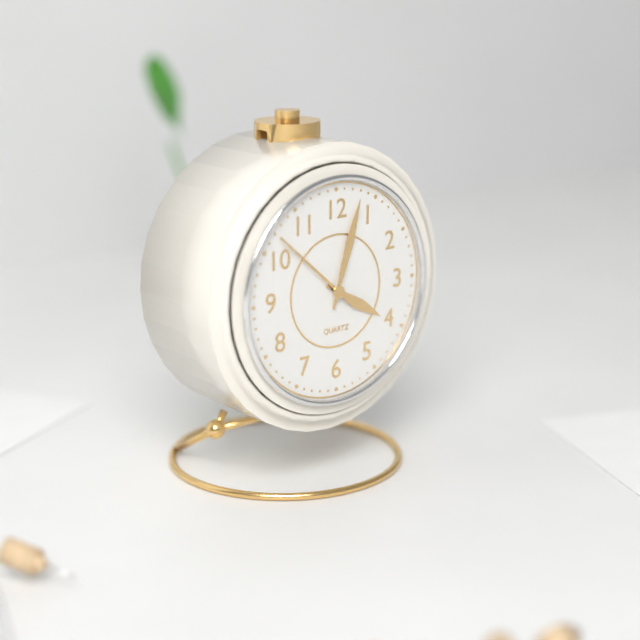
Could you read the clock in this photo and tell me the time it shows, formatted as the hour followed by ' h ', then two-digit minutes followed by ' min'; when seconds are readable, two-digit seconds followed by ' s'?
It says 4 h 03 min 52 s
